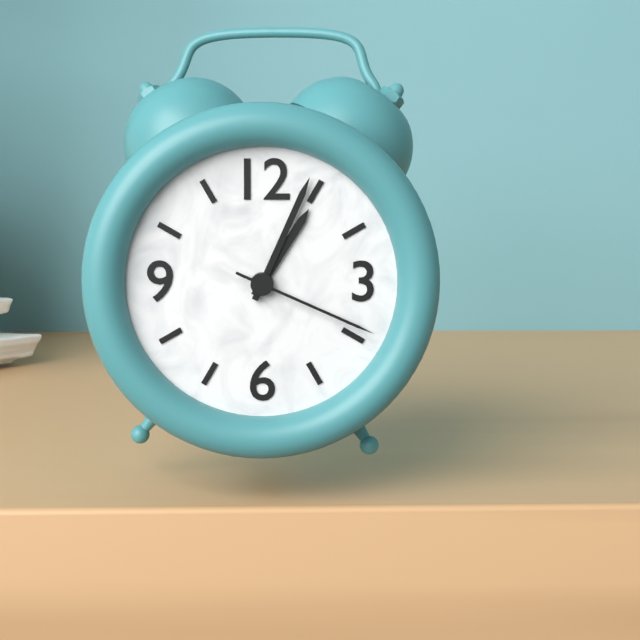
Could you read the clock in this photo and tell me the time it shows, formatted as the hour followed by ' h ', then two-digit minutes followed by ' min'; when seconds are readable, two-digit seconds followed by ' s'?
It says 1 h 04 min 19 s
